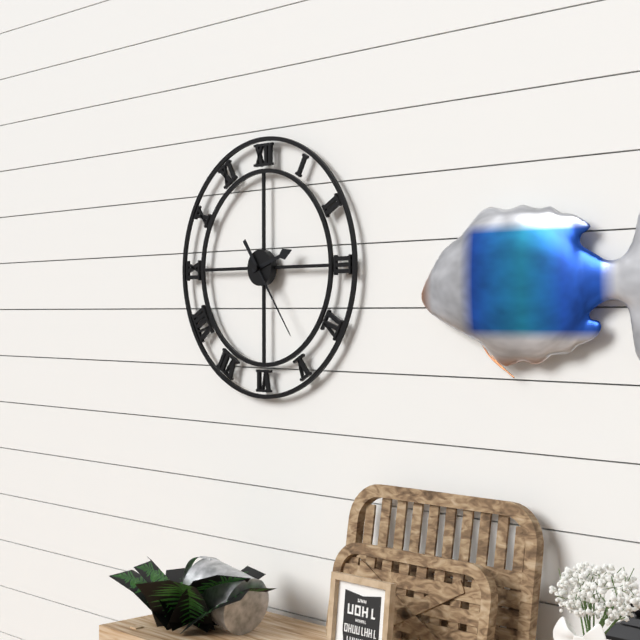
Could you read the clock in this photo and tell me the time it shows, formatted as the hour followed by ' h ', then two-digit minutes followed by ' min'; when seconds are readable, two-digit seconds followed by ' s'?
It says 2 h 24 min
